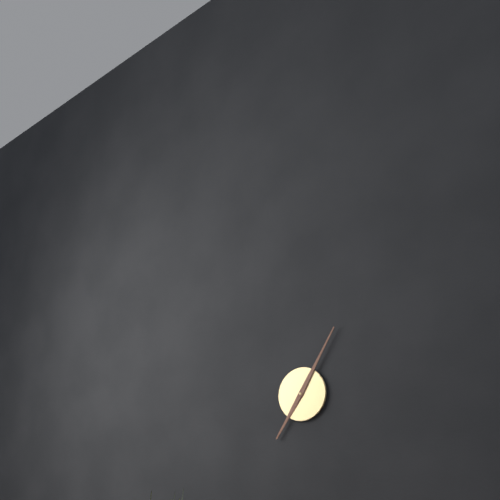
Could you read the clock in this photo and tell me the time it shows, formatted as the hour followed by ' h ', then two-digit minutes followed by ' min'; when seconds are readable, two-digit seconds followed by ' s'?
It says 7 h 05 min
